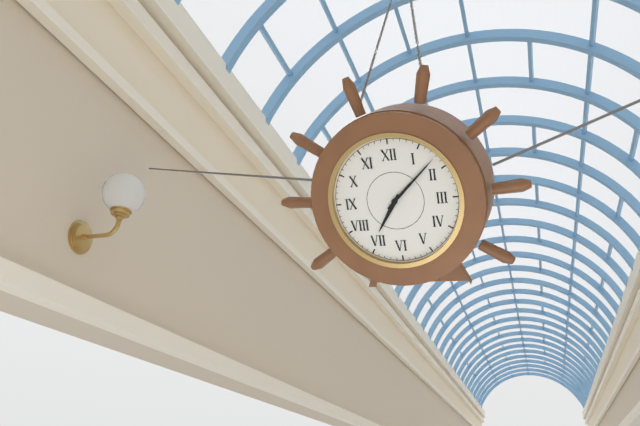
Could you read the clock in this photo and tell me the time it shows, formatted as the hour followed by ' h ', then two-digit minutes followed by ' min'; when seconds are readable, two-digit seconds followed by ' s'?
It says 7 h 08 min
